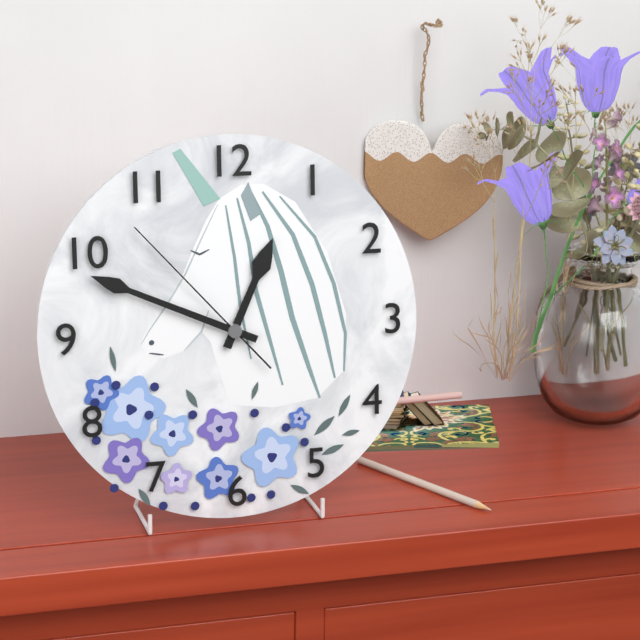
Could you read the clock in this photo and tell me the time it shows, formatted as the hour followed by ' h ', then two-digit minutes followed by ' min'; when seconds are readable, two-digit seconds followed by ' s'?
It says 12 h 49 min 53 s
